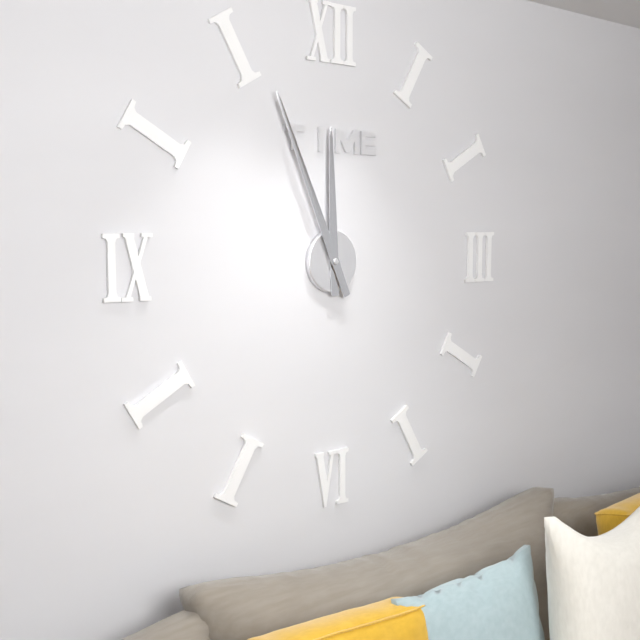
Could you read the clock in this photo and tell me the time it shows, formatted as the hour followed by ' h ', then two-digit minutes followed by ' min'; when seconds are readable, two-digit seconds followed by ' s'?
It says 11 h 56 min
